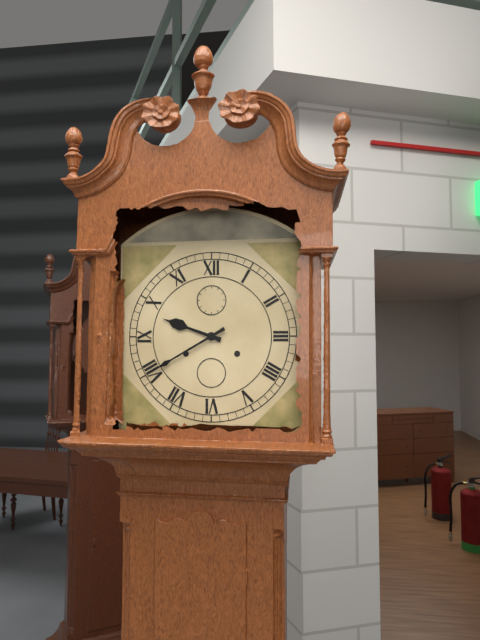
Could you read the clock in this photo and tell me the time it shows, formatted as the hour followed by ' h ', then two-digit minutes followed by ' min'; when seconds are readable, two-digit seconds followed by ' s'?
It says 9 h 40 min
